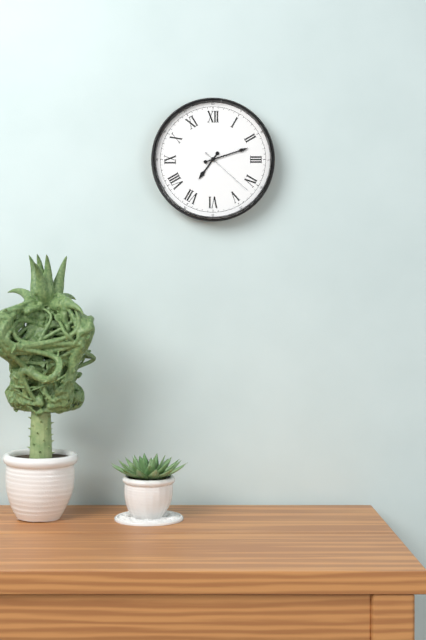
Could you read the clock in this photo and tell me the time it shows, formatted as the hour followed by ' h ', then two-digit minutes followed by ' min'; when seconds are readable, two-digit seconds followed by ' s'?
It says 7 h 12 min 22 s
